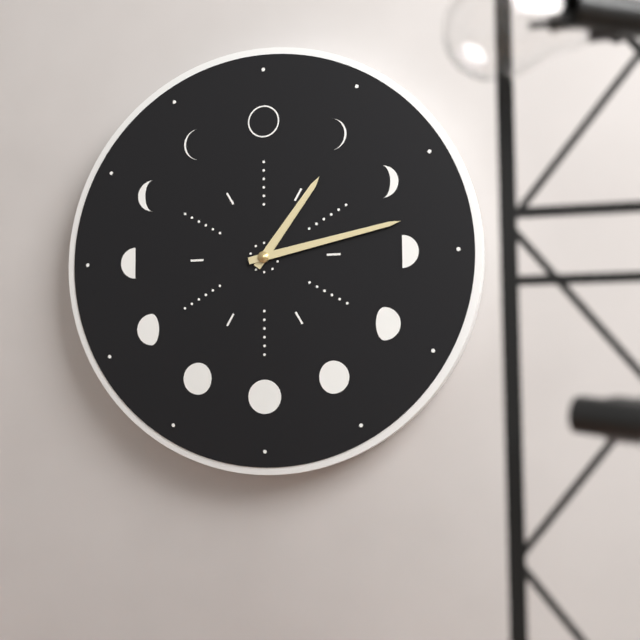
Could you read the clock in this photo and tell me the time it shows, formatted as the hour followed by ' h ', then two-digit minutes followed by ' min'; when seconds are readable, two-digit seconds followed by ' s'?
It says 1 h 13 min
